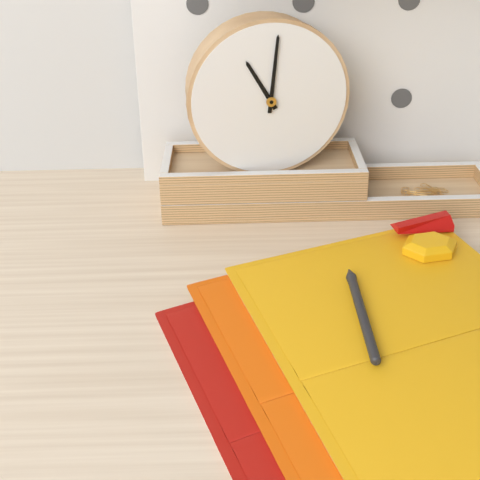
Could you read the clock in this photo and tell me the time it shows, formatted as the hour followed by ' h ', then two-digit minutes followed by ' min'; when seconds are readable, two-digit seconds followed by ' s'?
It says 11 h 01 min
